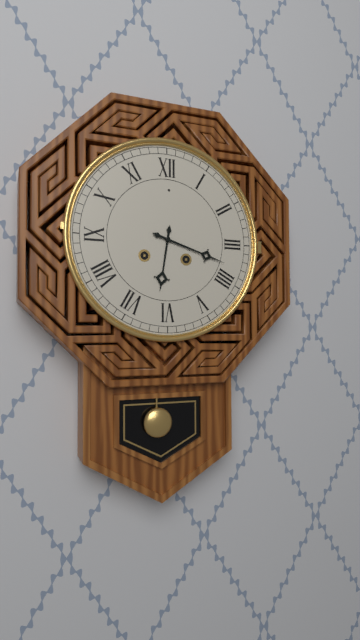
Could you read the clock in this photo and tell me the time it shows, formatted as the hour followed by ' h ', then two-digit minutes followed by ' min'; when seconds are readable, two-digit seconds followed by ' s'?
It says 6 h 18 min
